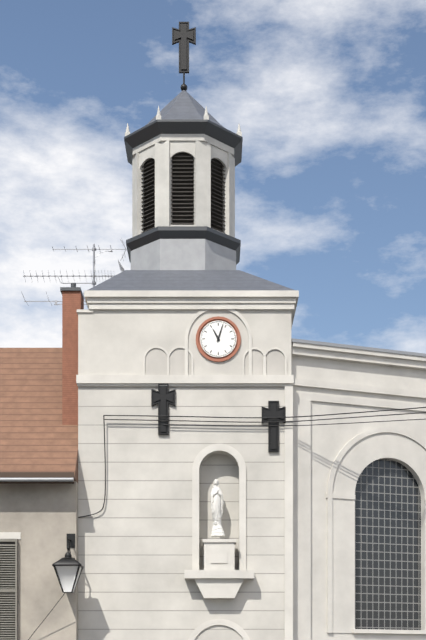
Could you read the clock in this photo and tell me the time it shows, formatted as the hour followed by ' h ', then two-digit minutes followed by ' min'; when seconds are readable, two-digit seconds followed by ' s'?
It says 11 h 03 min
